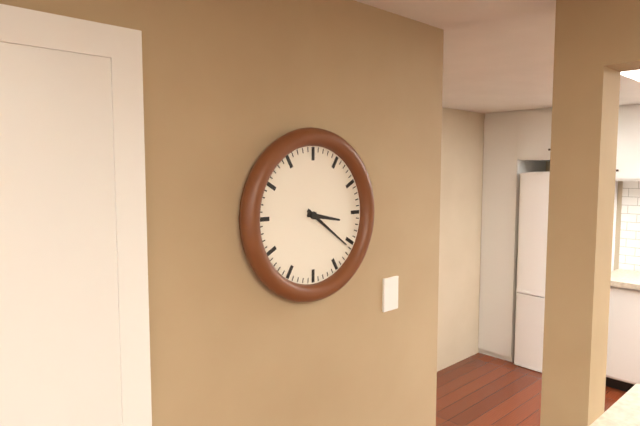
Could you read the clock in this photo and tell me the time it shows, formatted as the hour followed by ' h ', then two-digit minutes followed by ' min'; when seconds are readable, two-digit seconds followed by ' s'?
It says 3 h 21 min
